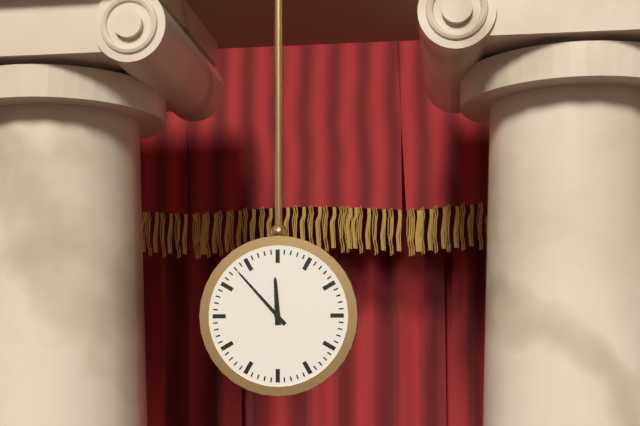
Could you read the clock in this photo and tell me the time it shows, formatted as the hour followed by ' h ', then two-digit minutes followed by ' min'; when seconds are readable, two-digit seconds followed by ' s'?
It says 11 h 53 min
